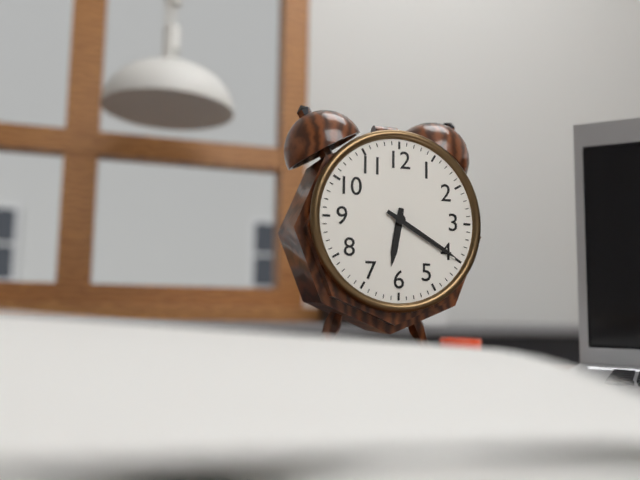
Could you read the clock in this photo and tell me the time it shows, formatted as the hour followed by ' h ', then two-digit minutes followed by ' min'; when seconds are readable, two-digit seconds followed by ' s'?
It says 6 h 20 min
